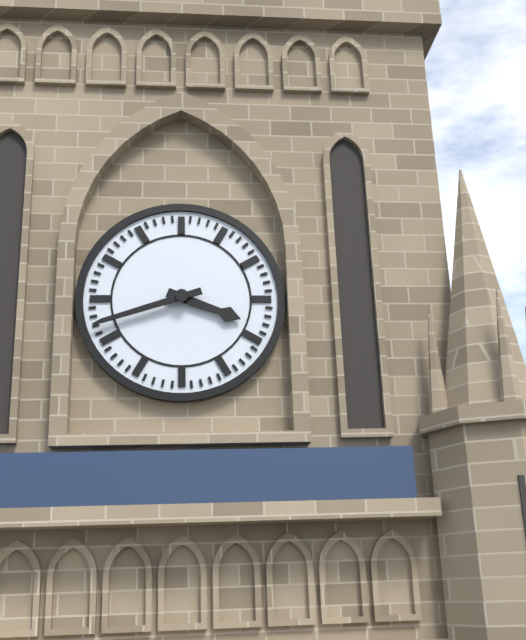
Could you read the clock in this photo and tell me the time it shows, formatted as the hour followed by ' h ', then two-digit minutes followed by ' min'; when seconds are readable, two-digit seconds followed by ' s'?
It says 3 h 42 min
